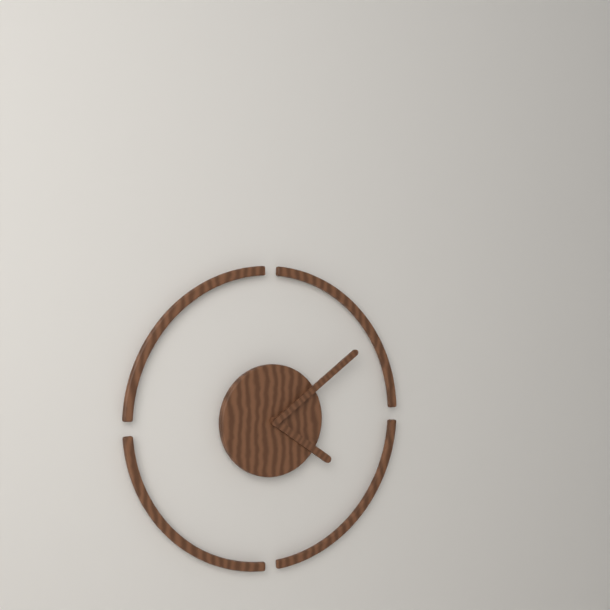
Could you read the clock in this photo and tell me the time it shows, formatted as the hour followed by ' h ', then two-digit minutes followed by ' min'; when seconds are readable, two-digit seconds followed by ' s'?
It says 4 h 09 min
